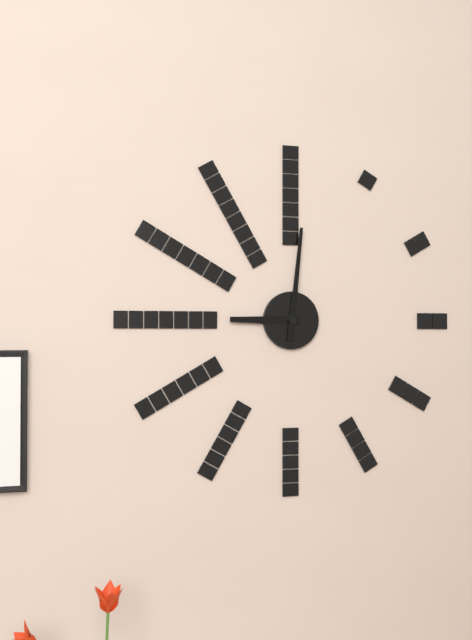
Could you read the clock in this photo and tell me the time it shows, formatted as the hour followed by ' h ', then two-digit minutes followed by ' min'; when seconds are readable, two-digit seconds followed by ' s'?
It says 9 h 01 min
